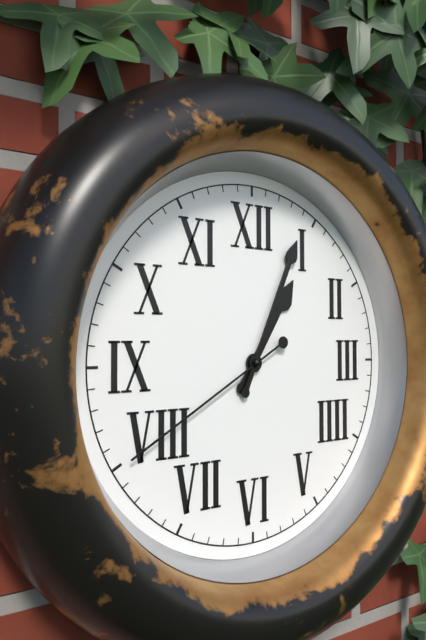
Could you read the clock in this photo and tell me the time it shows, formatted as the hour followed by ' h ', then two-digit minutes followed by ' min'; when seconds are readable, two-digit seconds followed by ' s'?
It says 1 h 04 min 40 s
